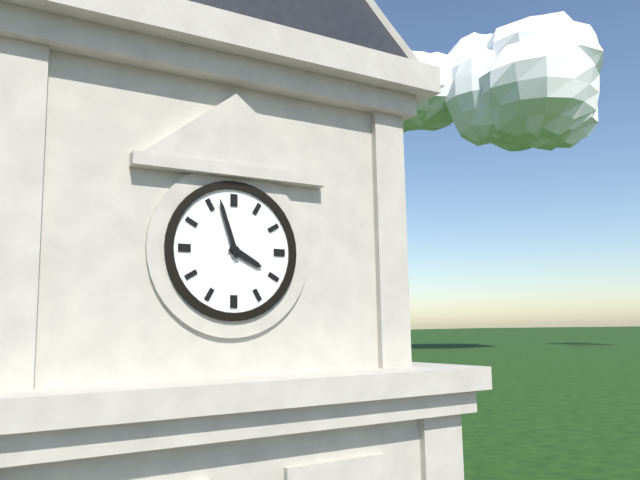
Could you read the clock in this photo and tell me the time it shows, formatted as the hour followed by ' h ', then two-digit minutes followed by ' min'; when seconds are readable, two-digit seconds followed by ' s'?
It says 3 h 57 min
